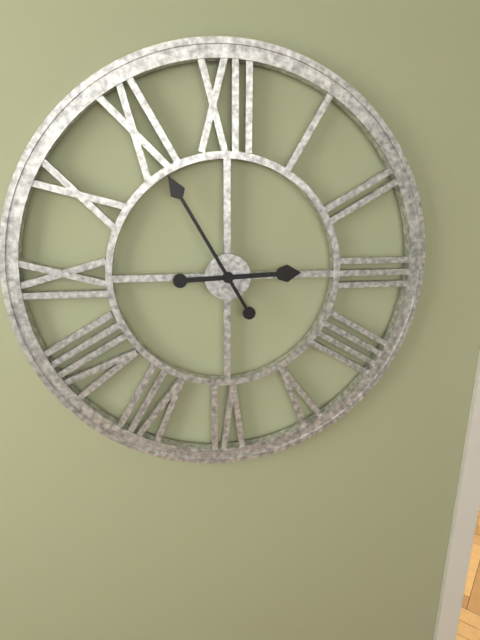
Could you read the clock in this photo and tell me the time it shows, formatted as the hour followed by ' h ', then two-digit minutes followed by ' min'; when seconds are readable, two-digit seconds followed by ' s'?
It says 2 h 55 min
